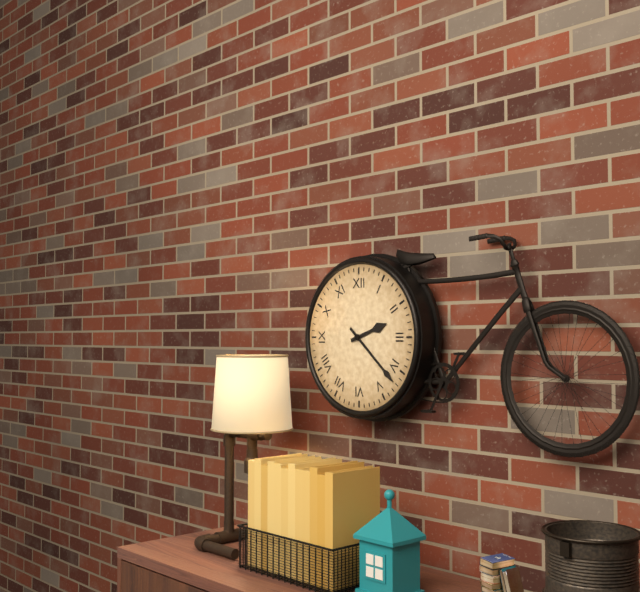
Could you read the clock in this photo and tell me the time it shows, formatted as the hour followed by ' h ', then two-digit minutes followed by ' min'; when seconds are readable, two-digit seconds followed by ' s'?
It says 2 h 22 min
